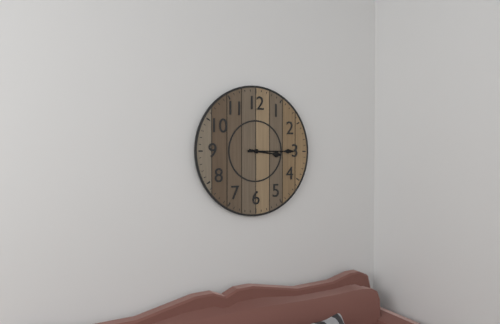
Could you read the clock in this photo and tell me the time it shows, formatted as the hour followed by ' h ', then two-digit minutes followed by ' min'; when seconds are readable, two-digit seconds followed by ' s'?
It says 3 h 15 min
